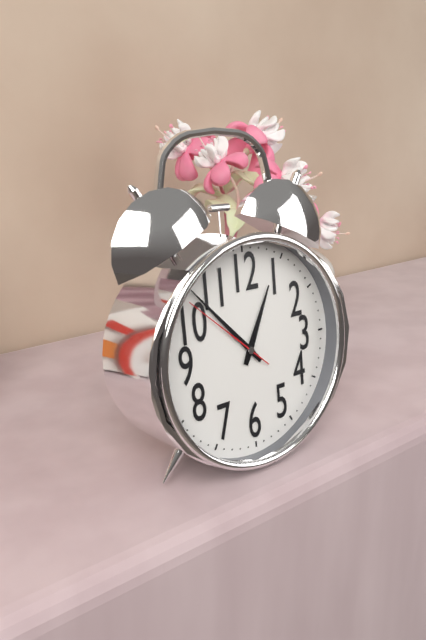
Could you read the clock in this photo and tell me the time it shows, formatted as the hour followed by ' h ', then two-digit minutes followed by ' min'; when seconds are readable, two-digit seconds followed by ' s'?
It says 12 h 53 min 52 s
